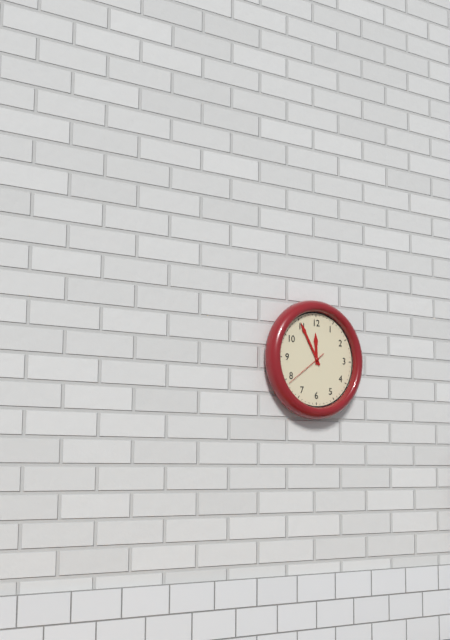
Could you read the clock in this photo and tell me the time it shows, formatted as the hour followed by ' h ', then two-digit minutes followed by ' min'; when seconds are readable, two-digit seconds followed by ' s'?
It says 11 h 55 min
